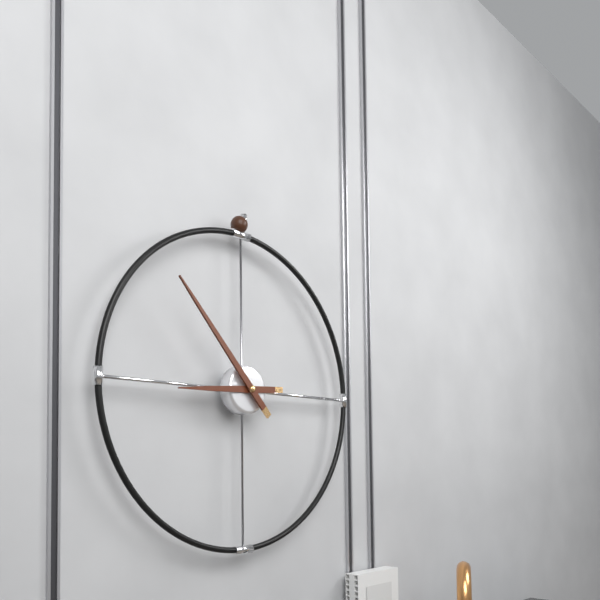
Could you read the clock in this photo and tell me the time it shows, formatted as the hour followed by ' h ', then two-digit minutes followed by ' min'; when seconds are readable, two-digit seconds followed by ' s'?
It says 8 h 53 min
